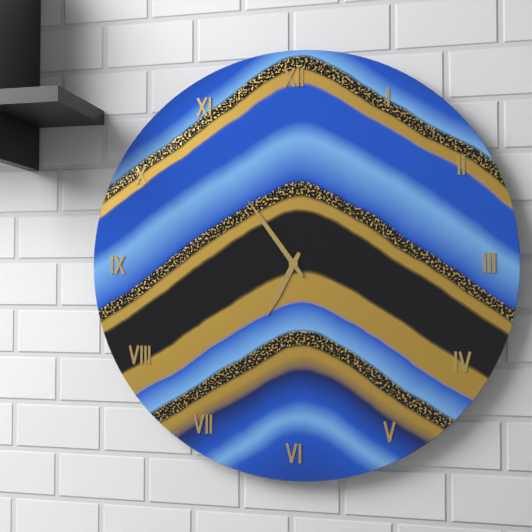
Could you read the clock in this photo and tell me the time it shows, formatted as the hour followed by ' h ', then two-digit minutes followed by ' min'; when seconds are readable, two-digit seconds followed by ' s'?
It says 6 h 54 min
